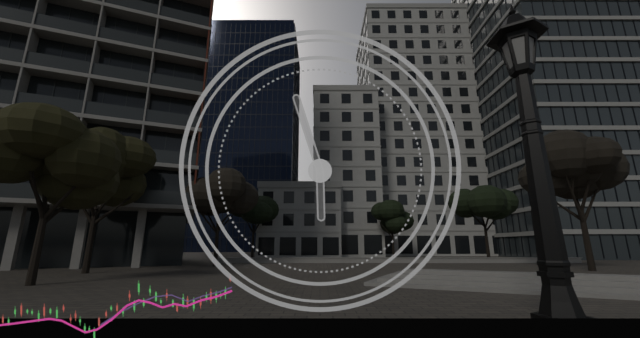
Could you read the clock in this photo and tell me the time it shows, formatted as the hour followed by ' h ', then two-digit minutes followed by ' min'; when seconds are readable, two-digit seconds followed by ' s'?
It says 5 h 57 min
